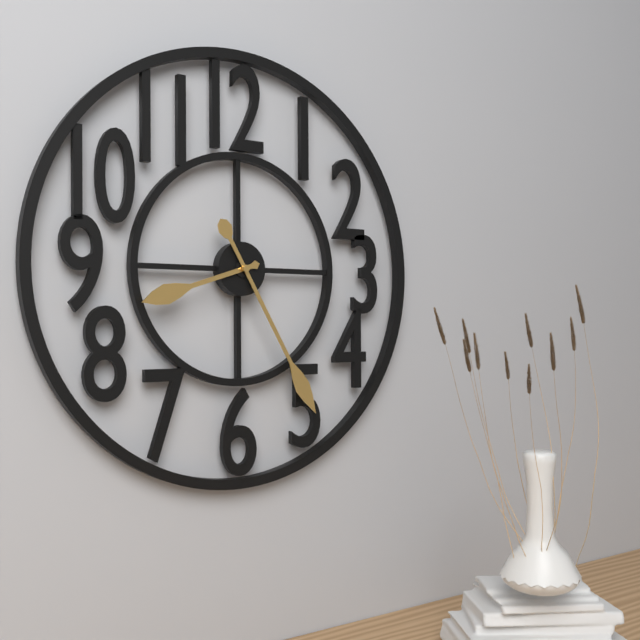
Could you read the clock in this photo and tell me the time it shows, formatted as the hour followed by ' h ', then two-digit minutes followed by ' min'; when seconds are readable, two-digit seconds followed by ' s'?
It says 8 h 25 min
